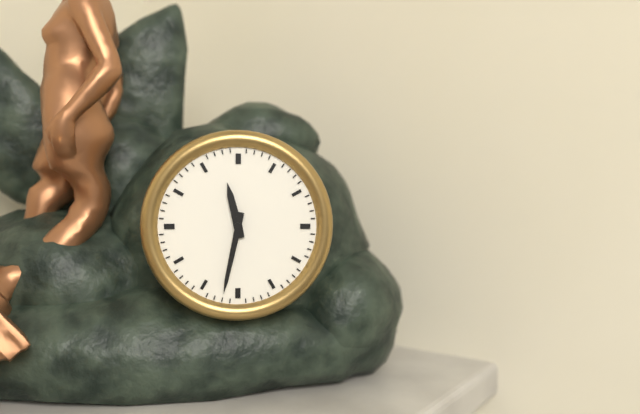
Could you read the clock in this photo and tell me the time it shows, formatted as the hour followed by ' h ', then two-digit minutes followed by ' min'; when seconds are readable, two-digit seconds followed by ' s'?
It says 11 h 32 min
